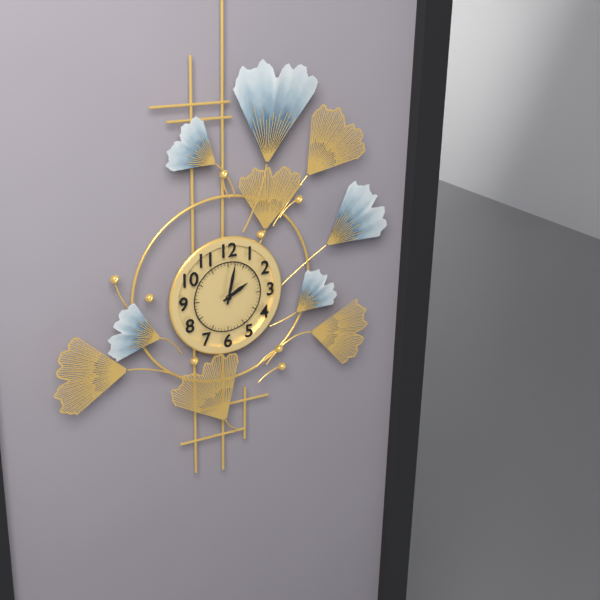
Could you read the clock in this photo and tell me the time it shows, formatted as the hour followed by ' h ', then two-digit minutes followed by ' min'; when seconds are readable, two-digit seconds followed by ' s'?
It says 2 h 02 min
